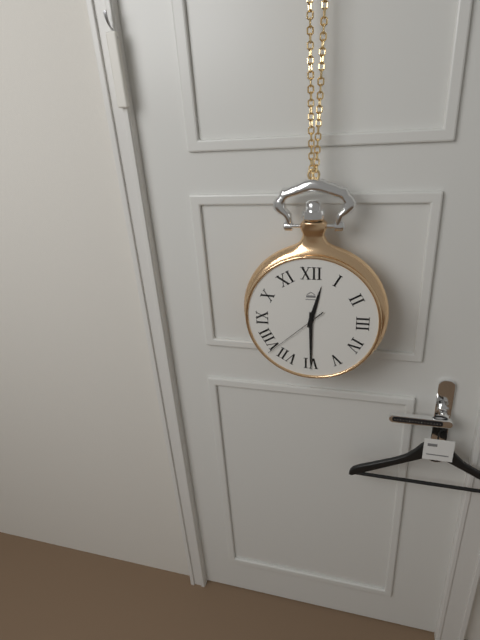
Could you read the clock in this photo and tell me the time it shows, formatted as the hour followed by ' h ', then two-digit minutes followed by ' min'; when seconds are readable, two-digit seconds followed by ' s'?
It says 12 h 30 min 38 s
